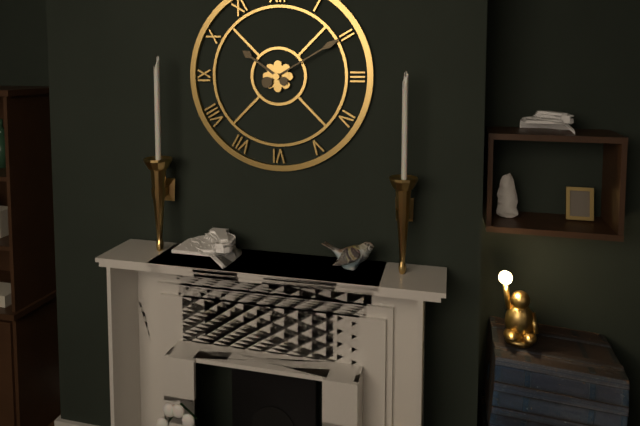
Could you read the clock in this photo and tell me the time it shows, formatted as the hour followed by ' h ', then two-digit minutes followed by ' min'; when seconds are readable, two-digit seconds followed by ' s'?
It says 10 h 10 min
